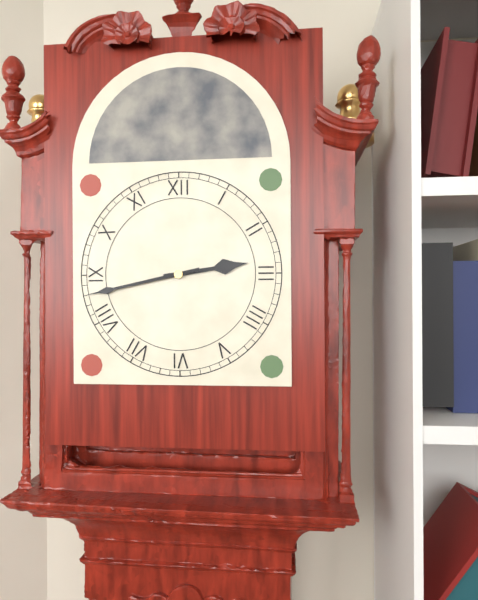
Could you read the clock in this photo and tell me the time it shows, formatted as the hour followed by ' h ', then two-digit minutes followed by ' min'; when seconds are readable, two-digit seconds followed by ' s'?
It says 2 h 43 min
